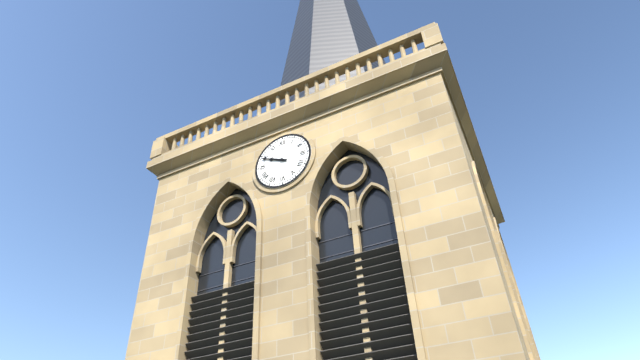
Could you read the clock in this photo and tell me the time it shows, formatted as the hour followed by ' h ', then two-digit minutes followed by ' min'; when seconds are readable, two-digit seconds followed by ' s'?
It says 9 h 49 min
